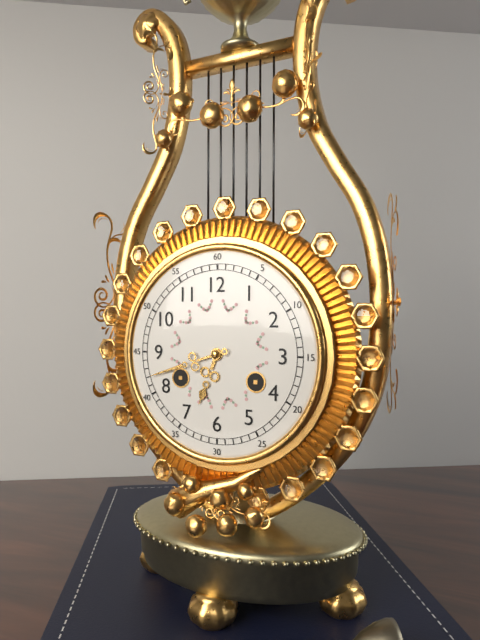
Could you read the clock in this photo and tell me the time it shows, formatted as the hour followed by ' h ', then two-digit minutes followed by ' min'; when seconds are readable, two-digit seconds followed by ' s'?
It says 6 h 42 min
